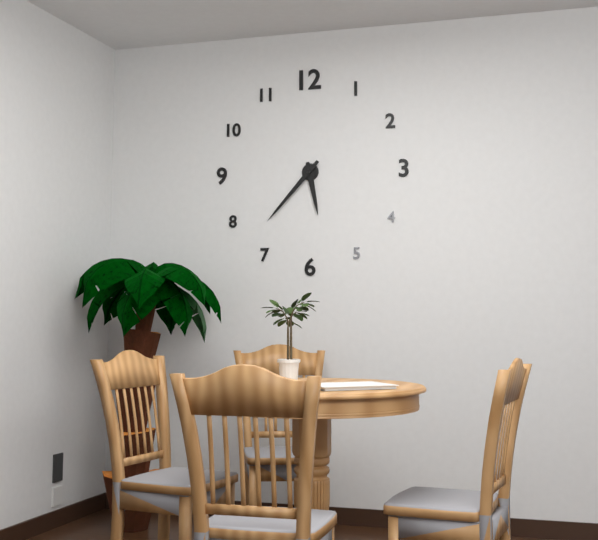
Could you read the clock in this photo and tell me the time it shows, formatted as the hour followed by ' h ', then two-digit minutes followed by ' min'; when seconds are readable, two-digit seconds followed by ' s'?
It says 5 h 37 min
